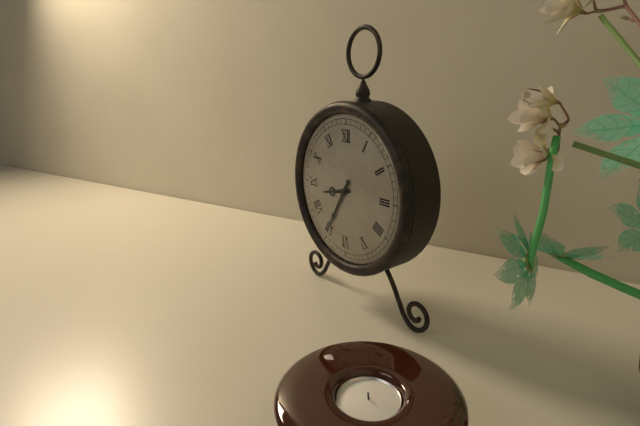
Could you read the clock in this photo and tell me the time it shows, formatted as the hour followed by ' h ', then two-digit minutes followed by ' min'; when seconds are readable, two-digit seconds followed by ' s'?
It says 8 h 35 min
